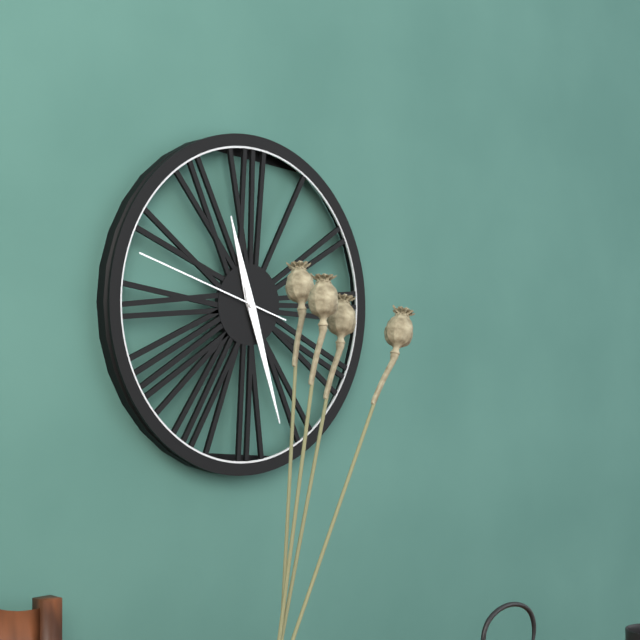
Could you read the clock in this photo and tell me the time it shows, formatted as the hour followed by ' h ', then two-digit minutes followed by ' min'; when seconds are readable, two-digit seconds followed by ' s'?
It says 11 h 27 min 48 s
